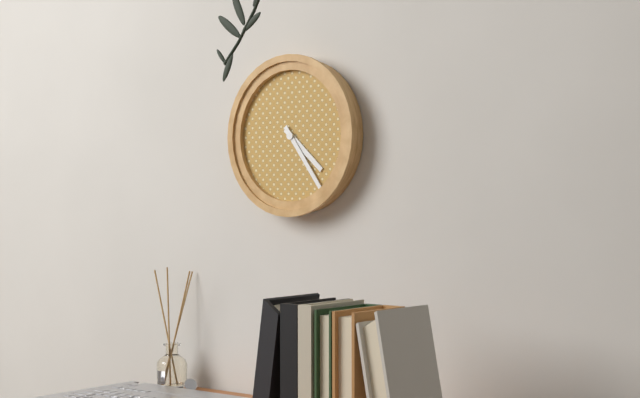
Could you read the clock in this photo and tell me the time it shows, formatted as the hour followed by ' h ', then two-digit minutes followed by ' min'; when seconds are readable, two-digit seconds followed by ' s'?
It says 4 h 24 min
